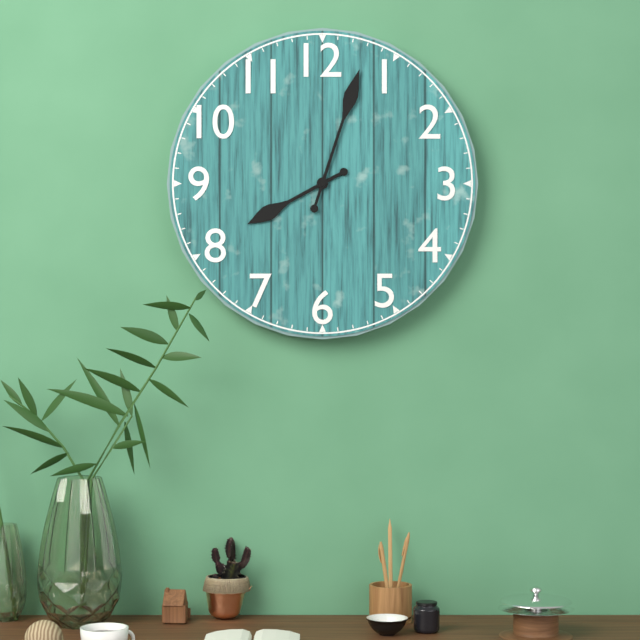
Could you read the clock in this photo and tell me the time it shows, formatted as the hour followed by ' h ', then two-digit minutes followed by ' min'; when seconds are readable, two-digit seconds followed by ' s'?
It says 8 h 03 min
